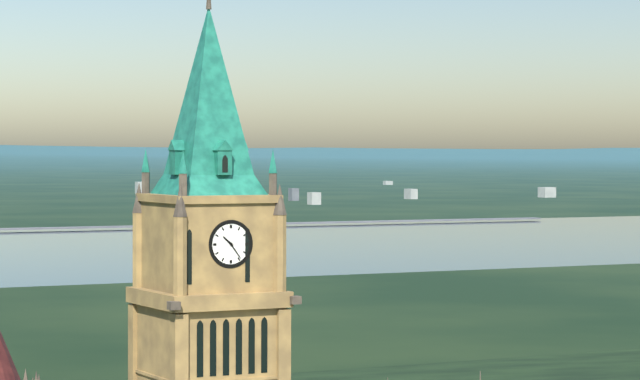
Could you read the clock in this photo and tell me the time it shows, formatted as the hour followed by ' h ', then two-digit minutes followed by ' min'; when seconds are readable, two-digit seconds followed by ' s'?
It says 10 h 24 min
